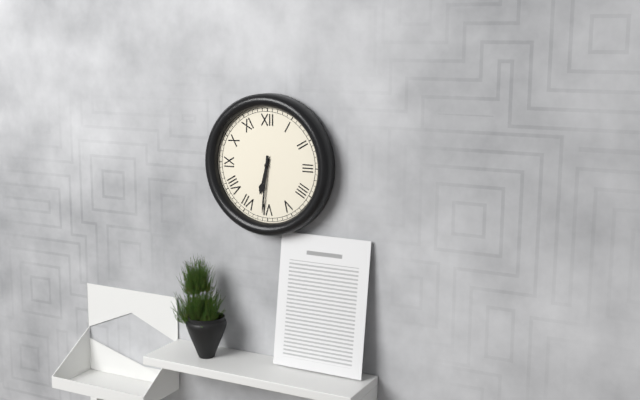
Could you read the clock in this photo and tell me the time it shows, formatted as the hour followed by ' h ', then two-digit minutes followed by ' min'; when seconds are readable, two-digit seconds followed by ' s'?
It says 6 h 31 min
